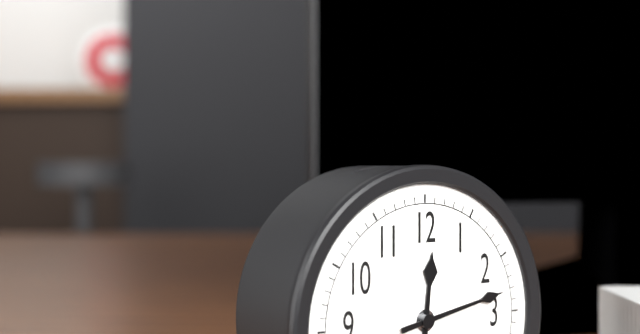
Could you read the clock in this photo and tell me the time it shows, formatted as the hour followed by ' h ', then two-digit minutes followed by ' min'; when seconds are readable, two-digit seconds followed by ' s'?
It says 12 h 13 min
